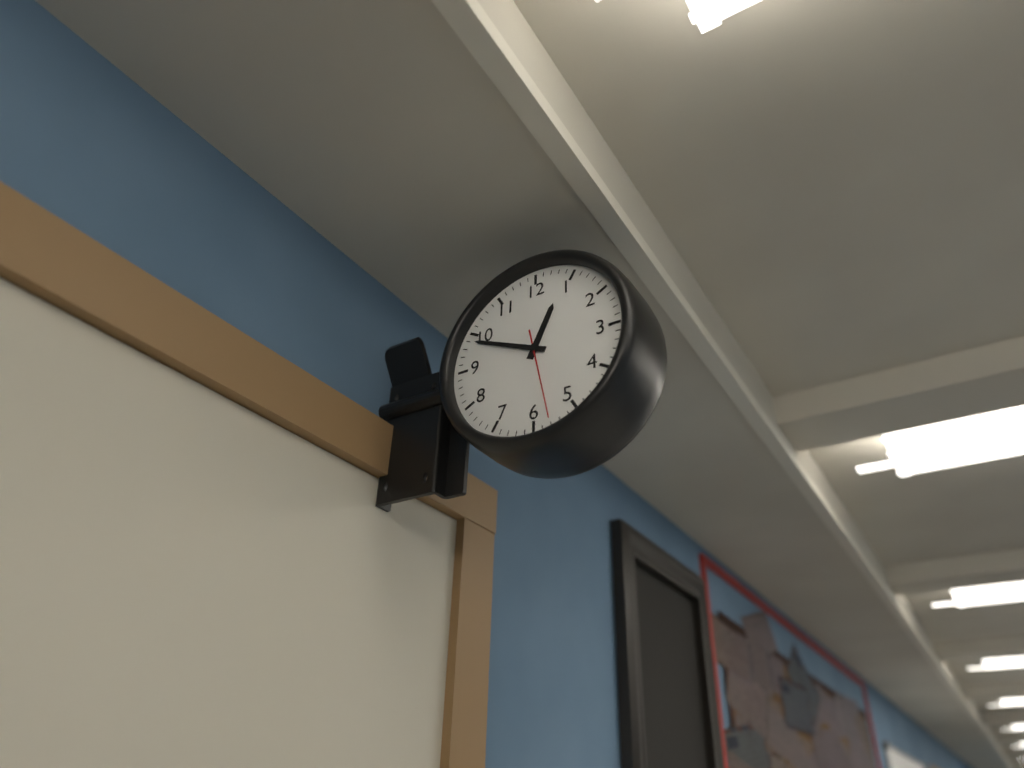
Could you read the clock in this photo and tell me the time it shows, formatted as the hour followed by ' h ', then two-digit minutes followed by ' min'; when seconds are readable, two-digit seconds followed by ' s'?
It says 12 h 49 min 28 s
